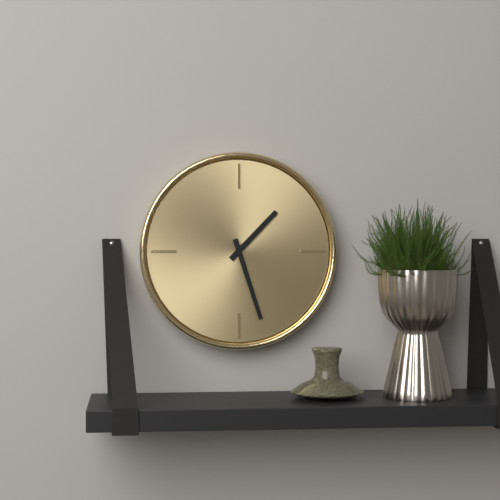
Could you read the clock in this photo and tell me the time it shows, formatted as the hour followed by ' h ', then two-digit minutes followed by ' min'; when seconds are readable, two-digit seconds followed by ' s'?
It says 1 h 27 min
